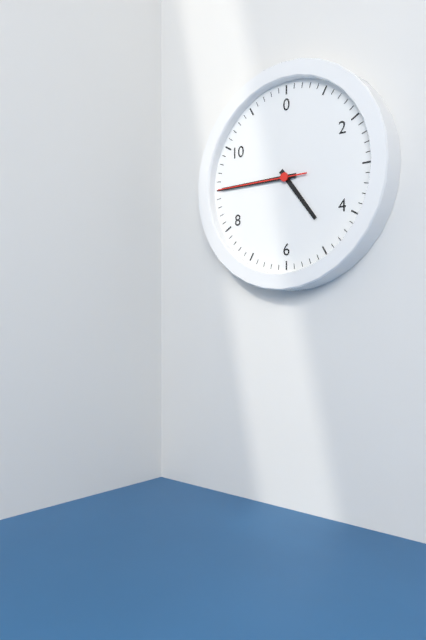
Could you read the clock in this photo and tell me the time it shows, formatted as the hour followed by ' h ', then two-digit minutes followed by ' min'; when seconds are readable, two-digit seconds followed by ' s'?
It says 4 h 45 min 45 s
